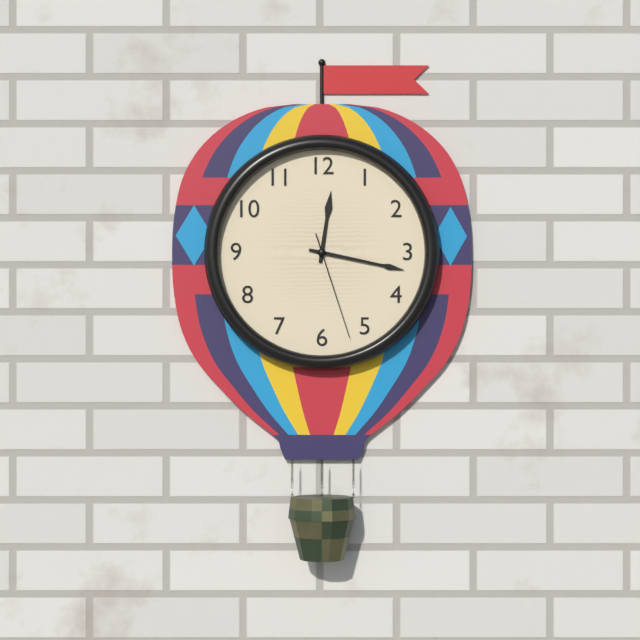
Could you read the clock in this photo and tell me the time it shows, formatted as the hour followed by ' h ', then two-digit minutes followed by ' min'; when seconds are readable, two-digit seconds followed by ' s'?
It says 12 h 17 min 27 s
